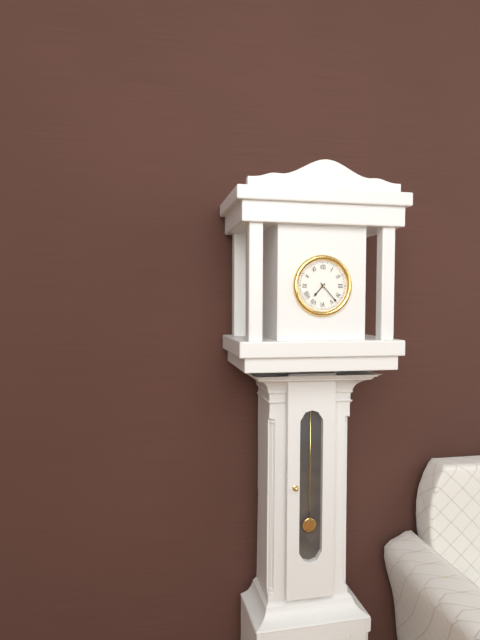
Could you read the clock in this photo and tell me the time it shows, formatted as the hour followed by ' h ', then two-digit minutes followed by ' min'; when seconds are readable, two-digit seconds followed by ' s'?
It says 7 h 23 min
